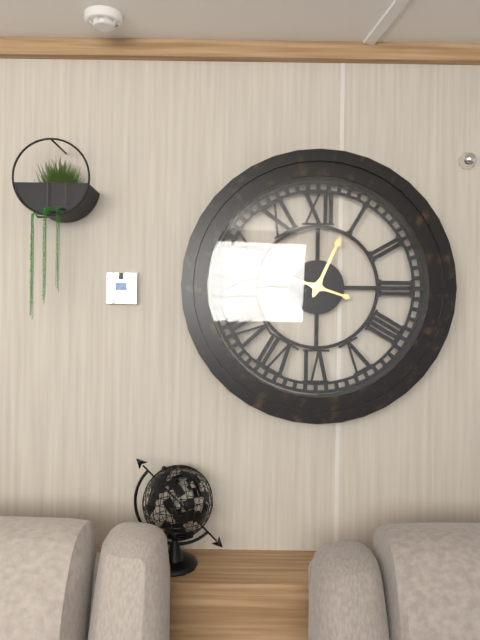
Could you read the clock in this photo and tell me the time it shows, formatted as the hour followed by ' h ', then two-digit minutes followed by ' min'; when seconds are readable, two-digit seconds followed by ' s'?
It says 12 h 48 min
